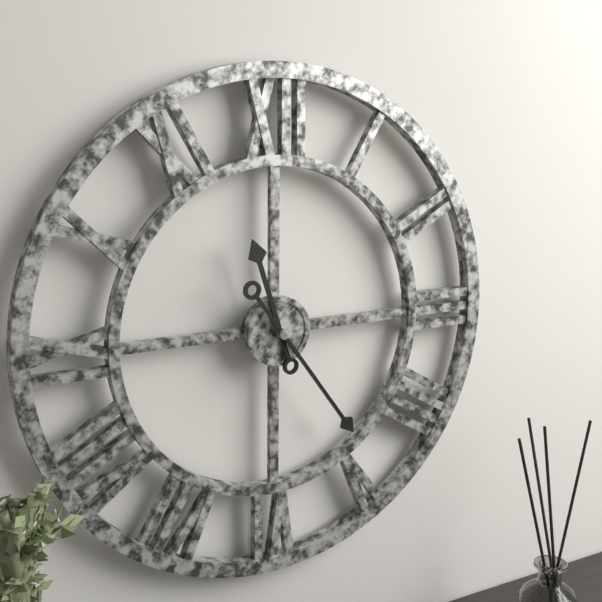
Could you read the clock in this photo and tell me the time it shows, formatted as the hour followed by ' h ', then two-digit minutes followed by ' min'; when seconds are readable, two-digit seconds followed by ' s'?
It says 11 h 24 min
